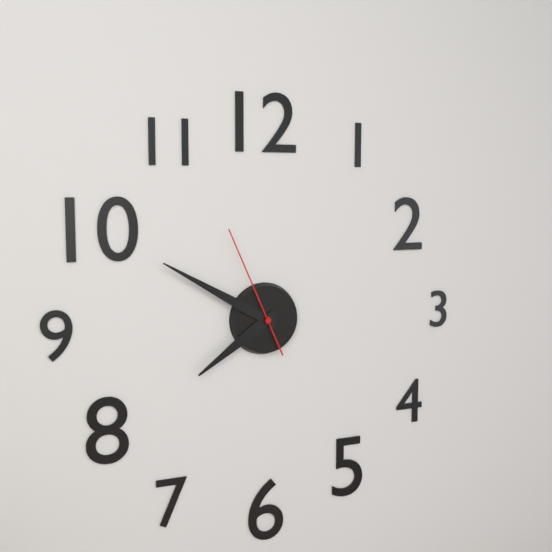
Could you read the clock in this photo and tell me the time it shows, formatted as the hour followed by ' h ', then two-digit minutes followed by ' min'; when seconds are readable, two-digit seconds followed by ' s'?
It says 7 h 50 min 56 s
